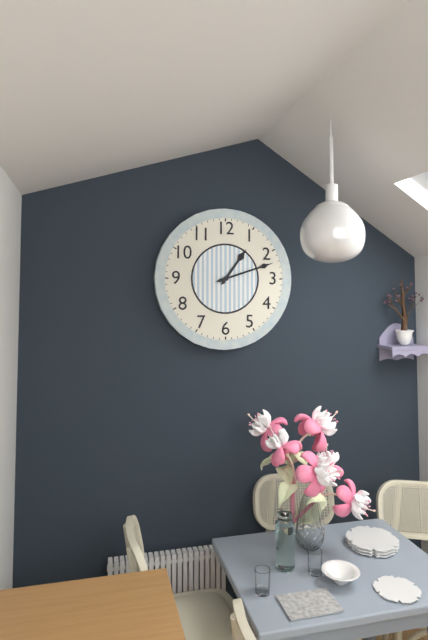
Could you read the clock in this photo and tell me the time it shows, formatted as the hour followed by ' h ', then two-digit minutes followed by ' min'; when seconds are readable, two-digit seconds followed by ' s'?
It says 1 h 12 min
